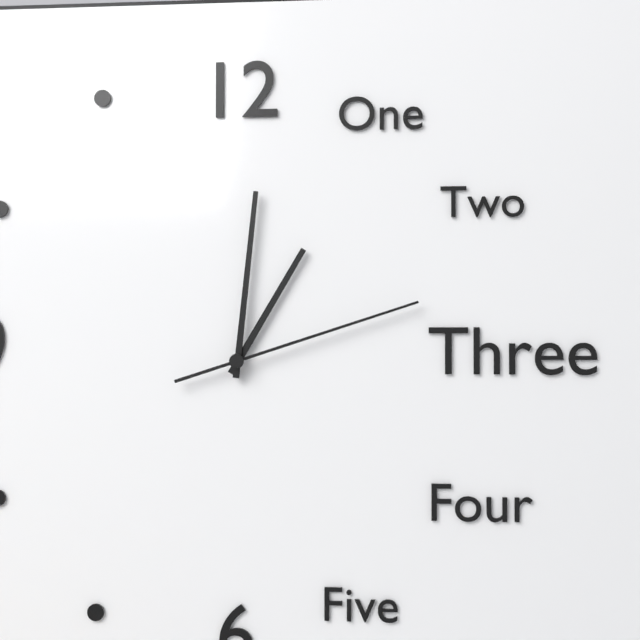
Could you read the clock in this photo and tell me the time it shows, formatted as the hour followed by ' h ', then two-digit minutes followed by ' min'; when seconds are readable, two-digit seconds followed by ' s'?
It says 1 h 01 min 12 s
